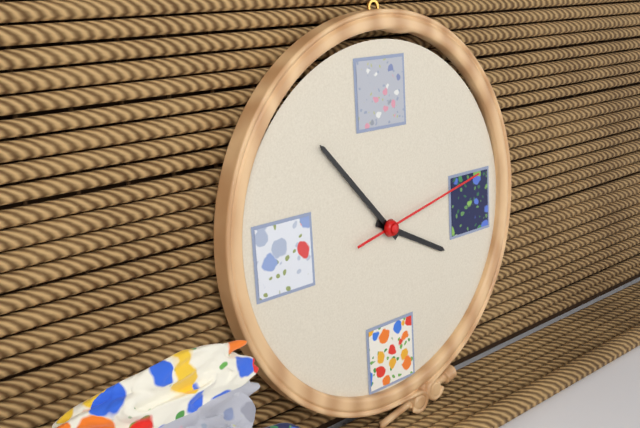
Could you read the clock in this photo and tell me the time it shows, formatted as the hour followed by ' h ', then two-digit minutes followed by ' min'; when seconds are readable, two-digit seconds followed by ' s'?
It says 3 h 53 min 13 s
